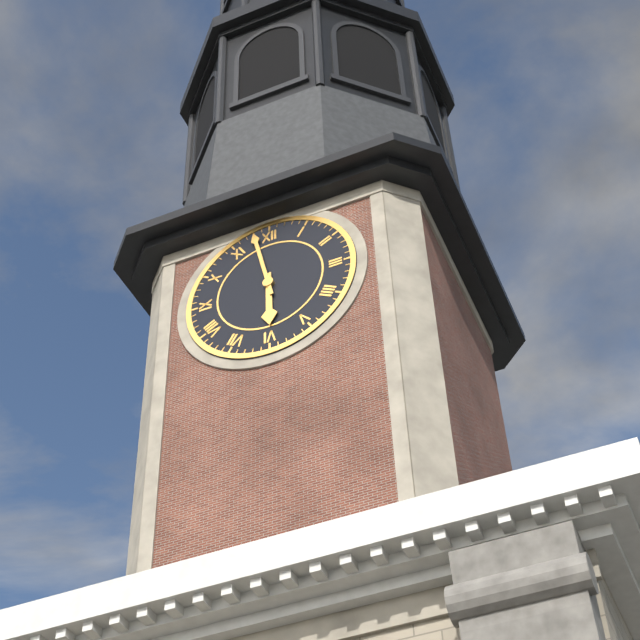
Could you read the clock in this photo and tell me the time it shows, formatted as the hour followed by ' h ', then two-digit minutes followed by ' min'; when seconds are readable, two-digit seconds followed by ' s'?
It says 5 h 58 min
